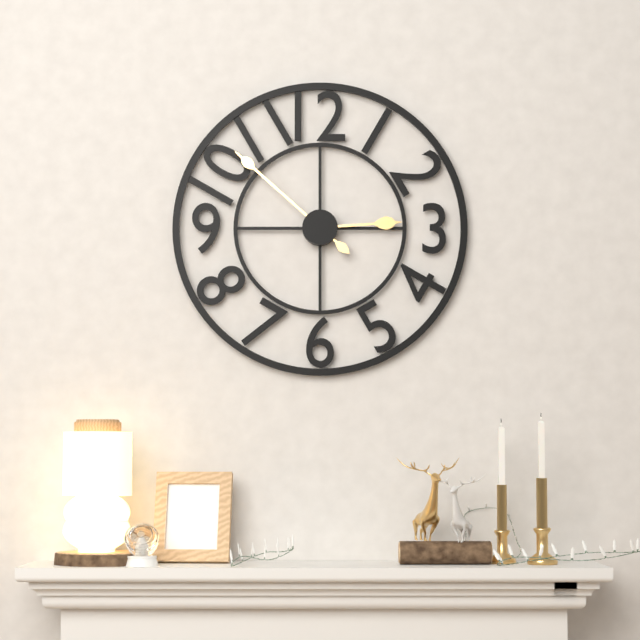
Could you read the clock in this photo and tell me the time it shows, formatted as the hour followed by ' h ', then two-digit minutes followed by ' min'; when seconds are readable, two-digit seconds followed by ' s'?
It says 2 h 52 min
